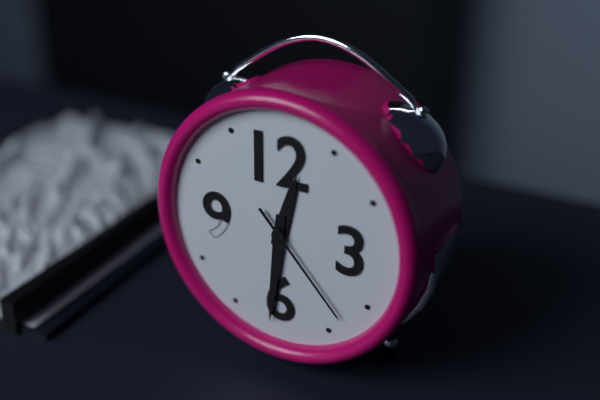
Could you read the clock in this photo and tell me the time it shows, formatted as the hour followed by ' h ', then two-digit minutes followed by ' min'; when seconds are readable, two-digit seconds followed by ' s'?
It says 12 h 31 min 23 s
